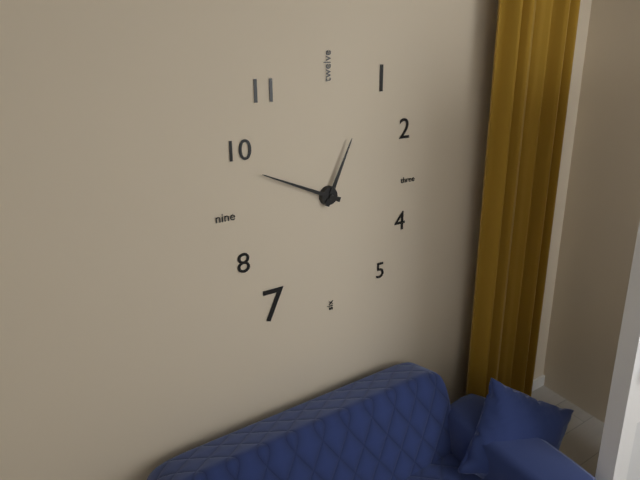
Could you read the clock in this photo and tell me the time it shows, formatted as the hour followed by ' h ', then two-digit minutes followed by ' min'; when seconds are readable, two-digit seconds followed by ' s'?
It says 12 h 49 min
